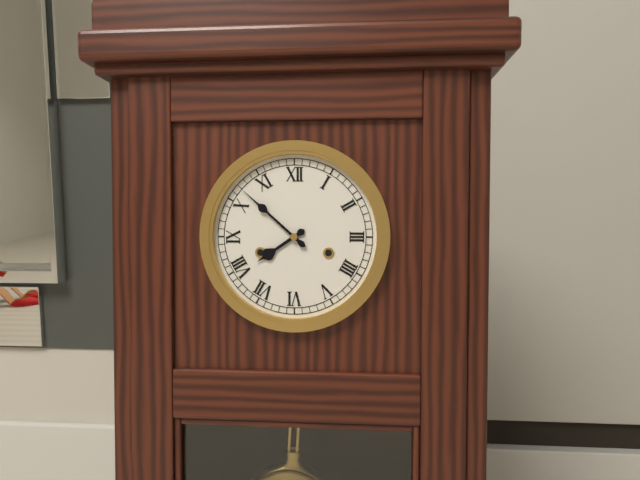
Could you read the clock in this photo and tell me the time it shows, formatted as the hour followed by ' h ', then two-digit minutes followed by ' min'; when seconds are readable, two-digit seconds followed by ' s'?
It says 7 h 52 min
